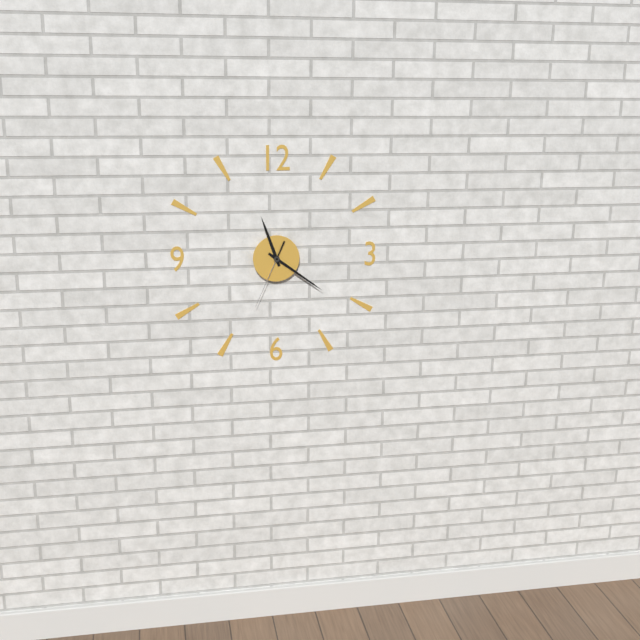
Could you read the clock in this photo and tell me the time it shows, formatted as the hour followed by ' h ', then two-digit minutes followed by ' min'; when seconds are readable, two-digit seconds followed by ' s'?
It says 11 h 21 min 34 s
